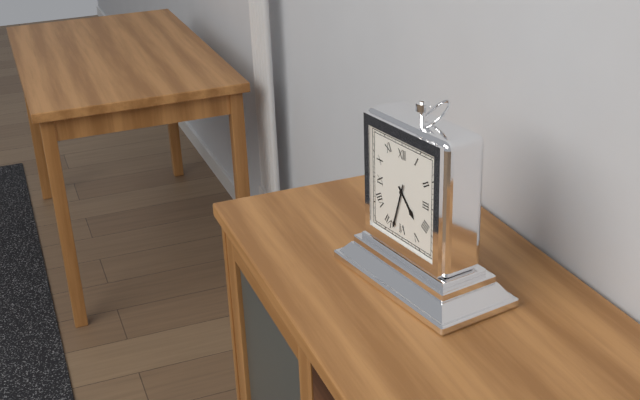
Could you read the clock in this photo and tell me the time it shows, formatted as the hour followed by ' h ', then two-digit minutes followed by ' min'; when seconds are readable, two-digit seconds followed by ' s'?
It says 4 h 33 min
